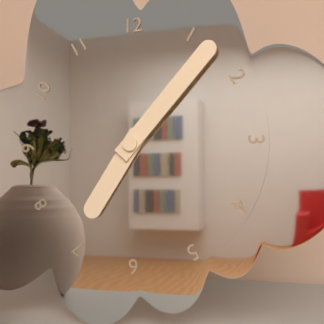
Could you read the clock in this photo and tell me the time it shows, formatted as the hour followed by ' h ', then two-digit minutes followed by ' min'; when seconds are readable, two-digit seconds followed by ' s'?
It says 7 h 07 min
